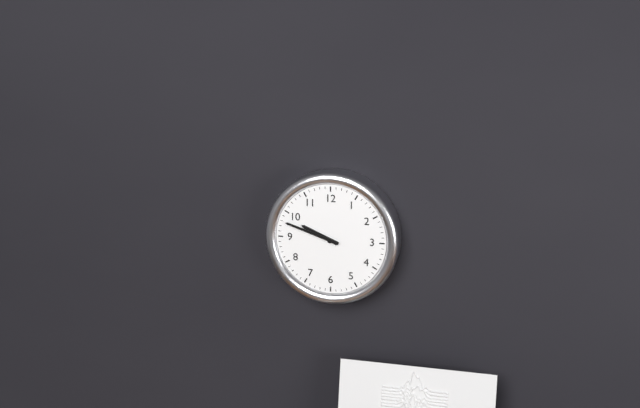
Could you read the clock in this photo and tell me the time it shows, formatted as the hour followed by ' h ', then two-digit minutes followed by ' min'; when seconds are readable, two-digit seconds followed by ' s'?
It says 9 h 48 min
